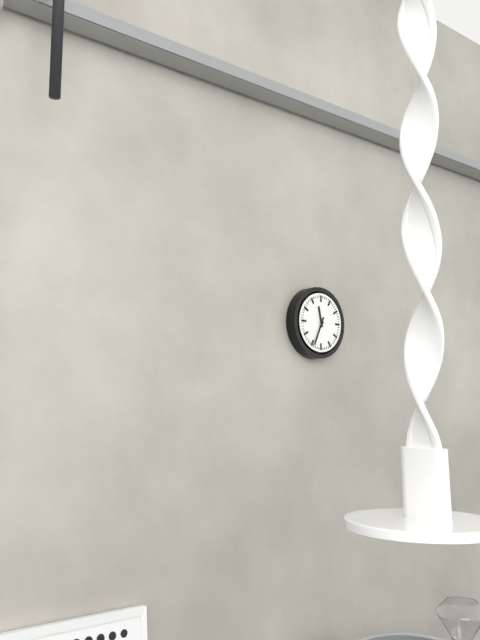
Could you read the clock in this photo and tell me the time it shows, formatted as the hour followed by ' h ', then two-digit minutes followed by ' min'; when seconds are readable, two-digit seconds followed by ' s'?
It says 11 h 34 min
